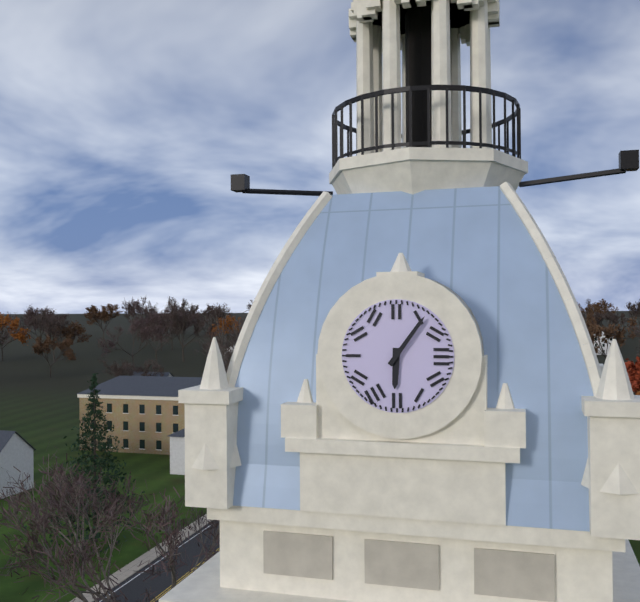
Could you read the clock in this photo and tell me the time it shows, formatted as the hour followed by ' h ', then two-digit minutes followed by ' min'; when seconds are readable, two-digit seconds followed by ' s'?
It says 6 h 06 min
